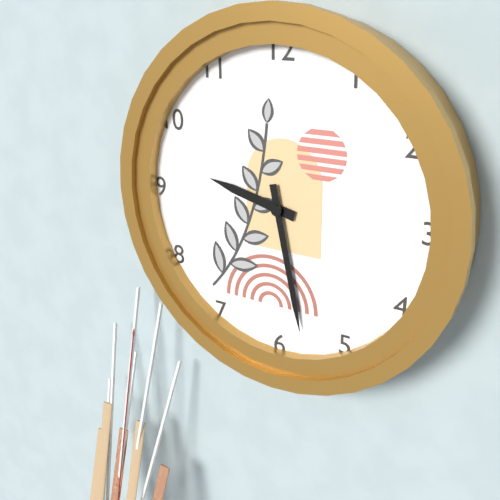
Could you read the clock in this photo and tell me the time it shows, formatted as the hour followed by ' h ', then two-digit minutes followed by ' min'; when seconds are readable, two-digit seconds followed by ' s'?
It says 9 h 28 min
